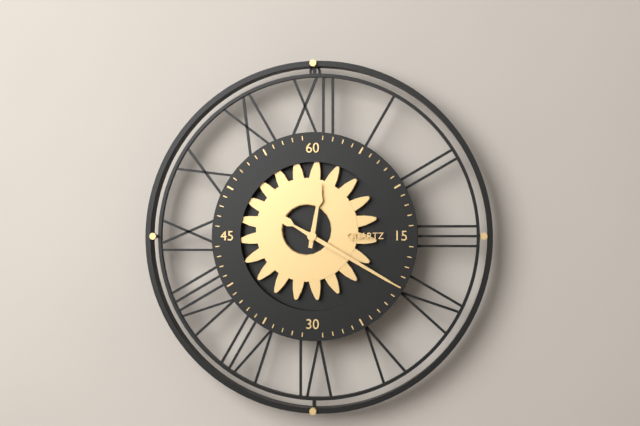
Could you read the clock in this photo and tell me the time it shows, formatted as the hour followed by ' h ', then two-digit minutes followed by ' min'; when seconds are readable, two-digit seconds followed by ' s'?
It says 12 h 20 min
